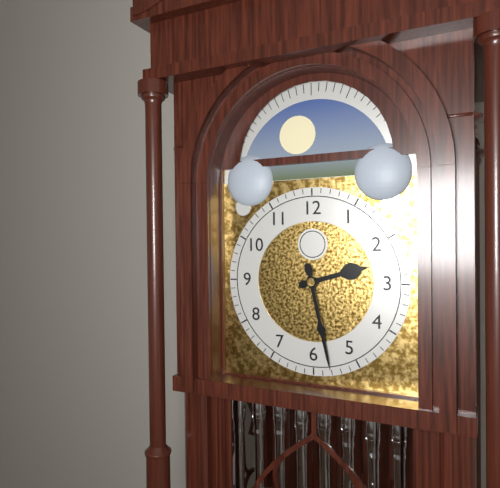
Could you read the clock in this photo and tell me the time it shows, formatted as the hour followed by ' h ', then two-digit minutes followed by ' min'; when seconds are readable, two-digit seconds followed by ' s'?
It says 2 h 28 min
